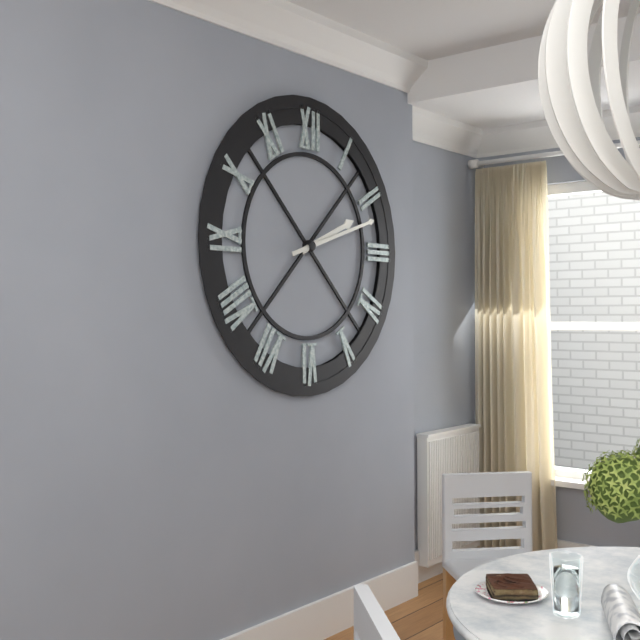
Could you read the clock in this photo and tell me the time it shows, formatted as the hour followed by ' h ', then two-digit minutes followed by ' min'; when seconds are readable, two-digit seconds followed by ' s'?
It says 2 h 12 min
